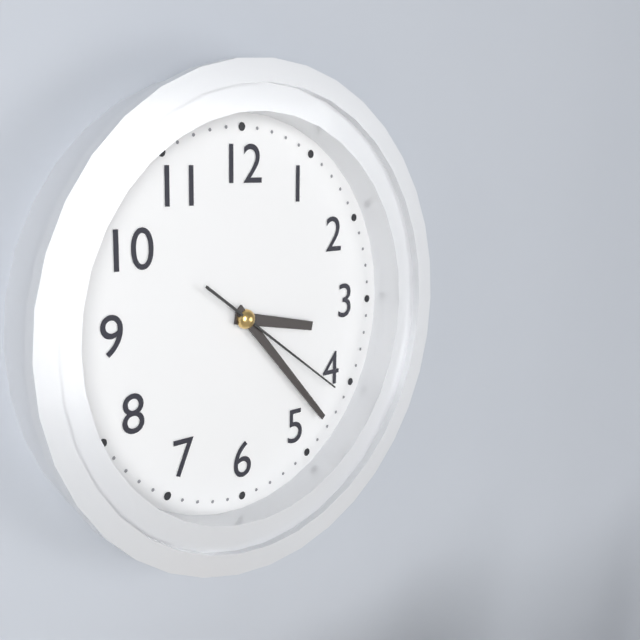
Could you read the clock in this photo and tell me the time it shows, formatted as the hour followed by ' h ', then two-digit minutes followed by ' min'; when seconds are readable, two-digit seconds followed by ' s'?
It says 3 h 23 min 21 s
